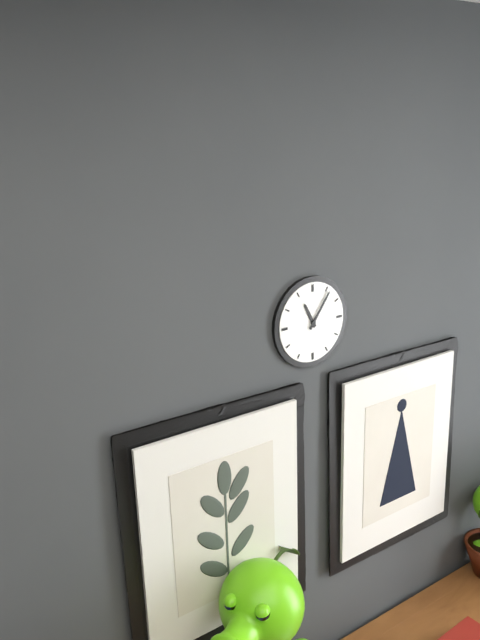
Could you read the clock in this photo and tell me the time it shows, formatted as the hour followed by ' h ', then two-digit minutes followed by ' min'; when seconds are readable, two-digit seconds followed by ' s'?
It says 11 h 06 min
